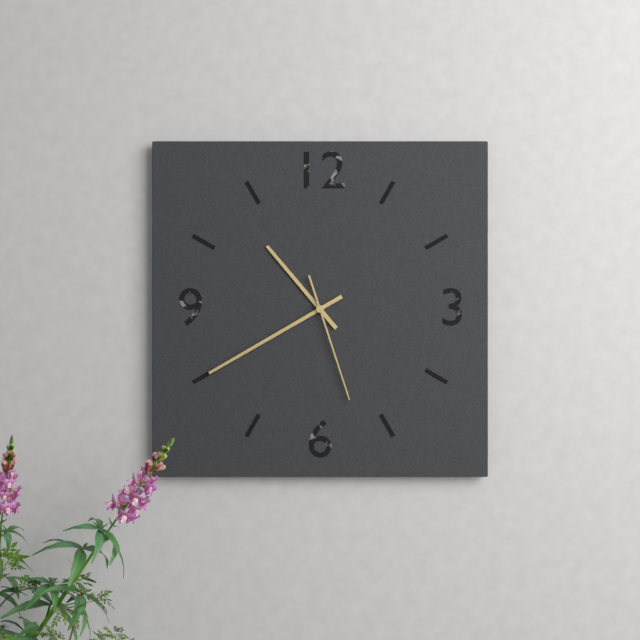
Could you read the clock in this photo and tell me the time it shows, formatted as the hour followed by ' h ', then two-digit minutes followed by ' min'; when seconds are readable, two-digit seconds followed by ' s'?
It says 10 h 40 min 27 s
